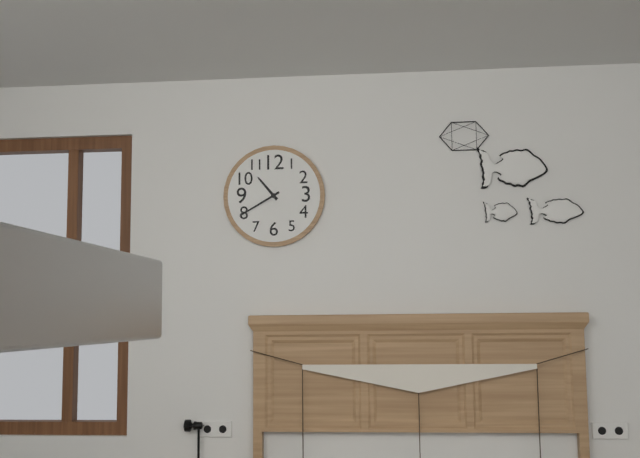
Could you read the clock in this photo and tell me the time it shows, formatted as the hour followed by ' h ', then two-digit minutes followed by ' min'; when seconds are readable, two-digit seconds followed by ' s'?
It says 10 h 40 min
